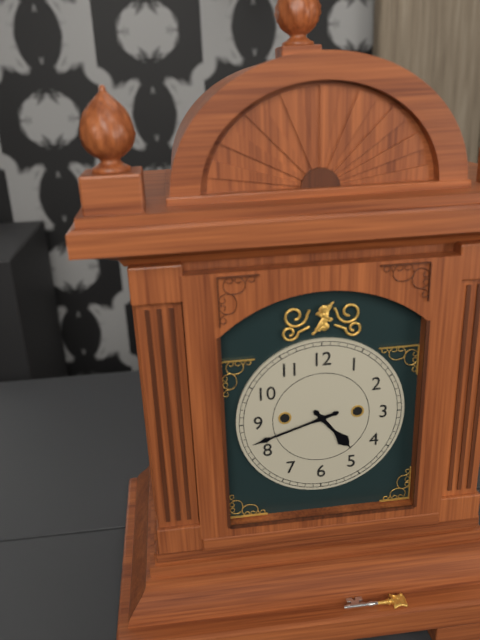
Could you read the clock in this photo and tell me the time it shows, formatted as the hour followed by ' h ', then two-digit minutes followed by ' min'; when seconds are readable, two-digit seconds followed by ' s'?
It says 4 h 42 min
